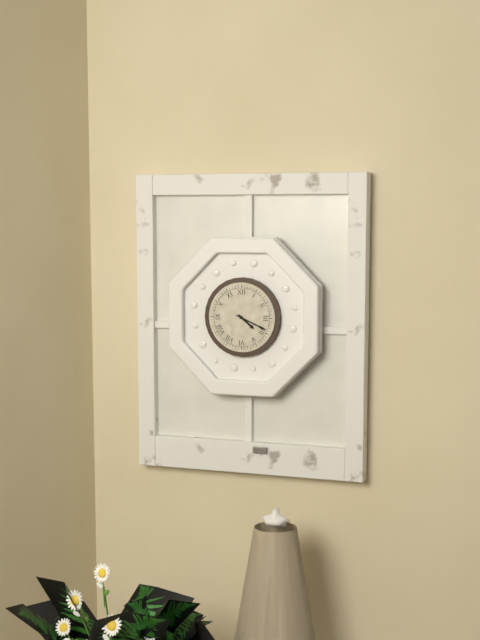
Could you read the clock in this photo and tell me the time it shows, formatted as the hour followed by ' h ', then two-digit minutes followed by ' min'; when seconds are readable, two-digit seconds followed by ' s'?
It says 4 h 19 min
